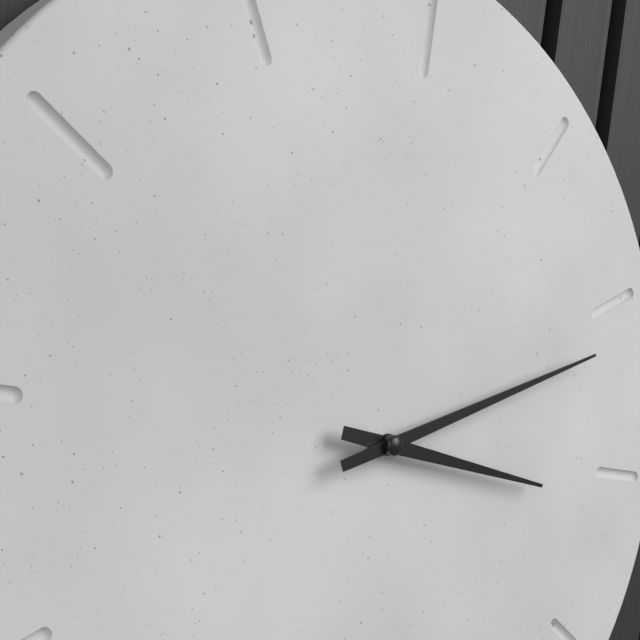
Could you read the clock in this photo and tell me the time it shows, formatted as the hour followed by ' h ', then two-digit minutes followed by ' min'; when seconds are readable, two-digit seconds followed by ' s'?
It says 3 h 11 min
